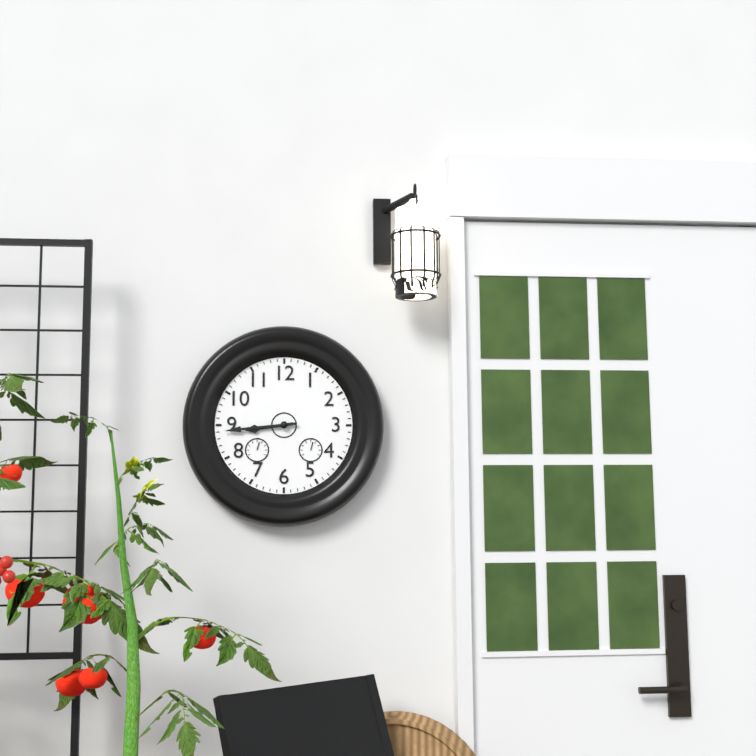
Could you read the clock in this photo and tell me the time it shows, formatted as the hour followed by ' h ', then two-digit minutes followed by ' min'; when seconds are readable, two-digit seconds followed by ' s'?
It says 8 h 44 min
